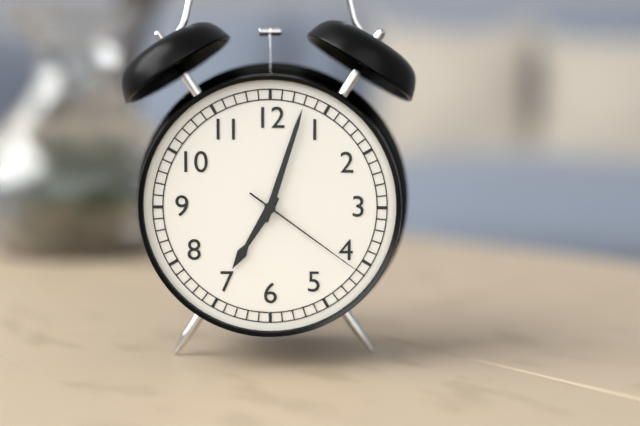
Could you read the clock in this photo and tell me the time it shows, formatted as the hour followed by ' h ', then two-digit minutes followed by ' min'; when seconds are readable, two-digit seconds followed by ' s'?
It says 7 h 03 min 21 s
